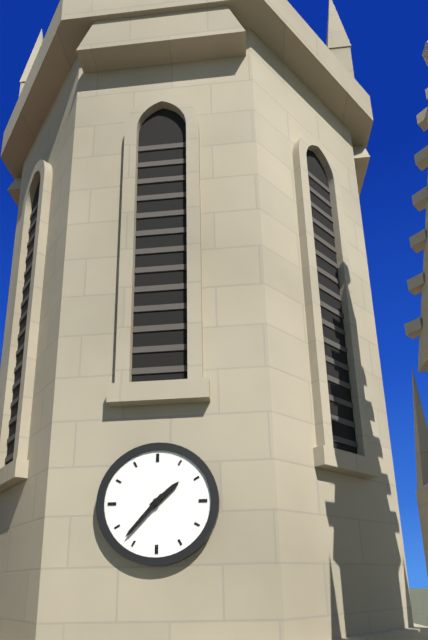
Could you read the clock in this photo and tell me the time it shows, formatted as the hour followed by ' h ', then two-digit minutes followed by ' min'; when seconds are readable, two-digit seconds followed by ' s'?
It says 1 h 37 min
